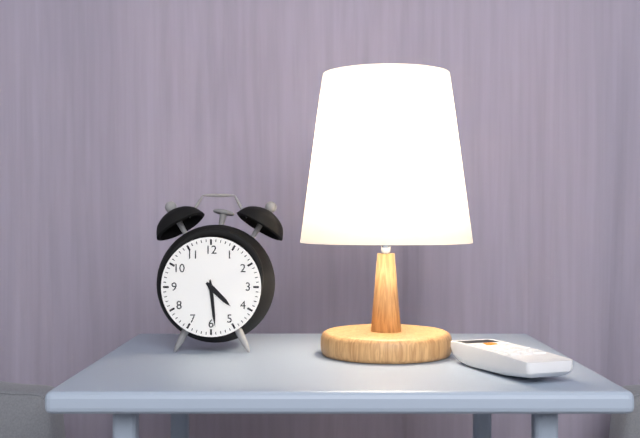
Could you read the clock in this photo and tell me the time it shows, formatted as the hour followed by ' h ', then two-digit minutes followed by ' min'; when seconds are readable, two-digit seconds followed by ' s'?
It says 4 h 29 min
